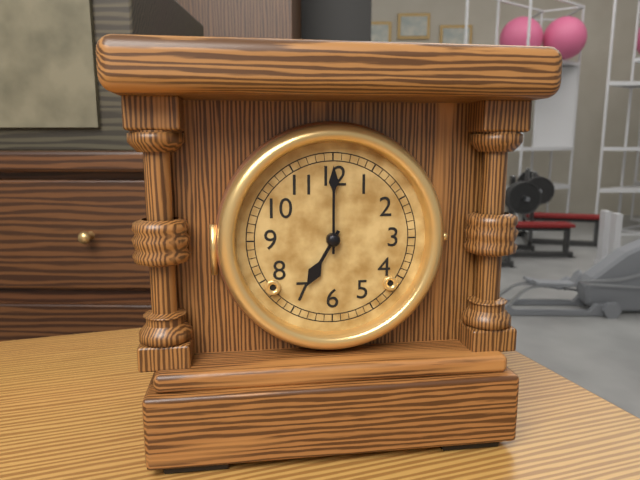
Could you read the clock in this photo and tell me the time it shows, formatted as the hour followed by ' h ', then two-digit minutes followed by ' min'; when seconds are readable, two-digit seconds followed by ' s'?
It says 7 h 00 min
